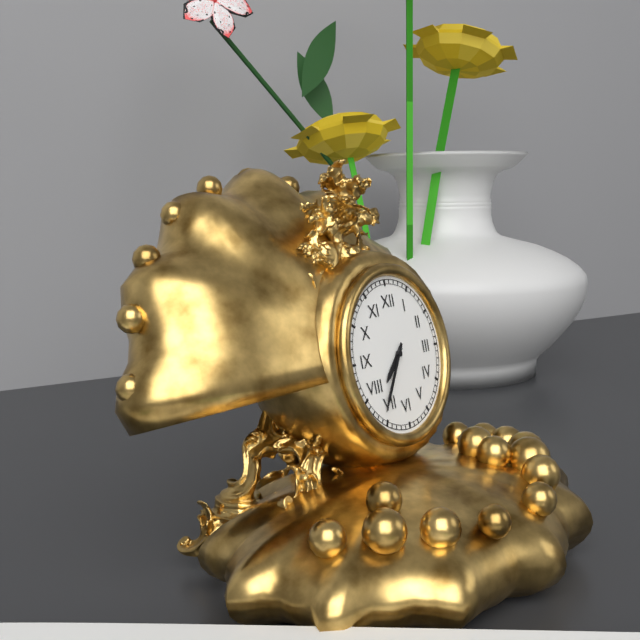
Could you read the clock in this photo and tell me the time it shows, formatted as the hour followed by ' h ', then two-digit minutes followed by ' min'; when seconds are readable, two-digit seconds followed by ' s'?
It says 7 h 36 min
